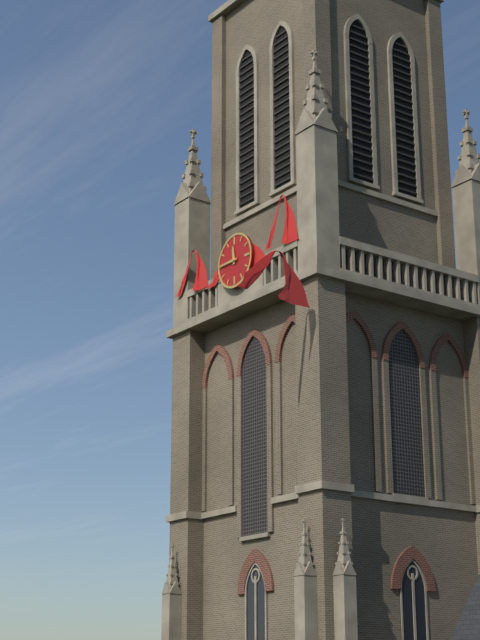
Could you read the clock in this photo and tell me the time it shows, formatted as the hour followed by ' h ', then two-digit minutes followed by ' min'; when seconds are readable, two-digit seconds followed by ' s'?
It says 11 h 45 min
